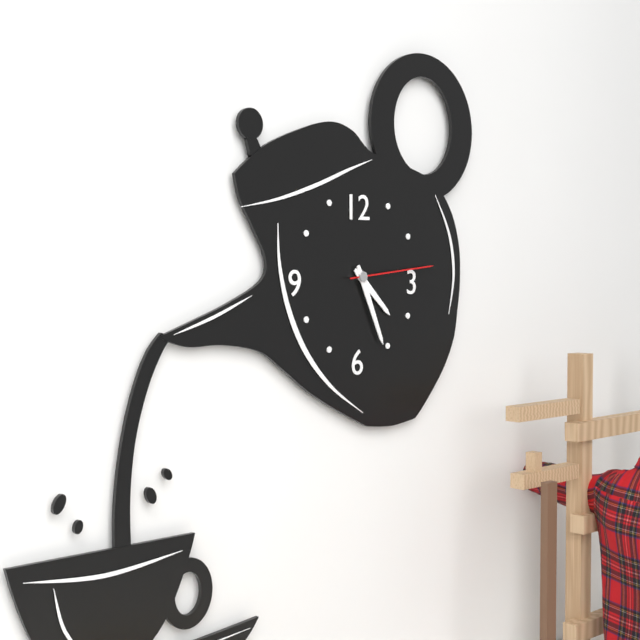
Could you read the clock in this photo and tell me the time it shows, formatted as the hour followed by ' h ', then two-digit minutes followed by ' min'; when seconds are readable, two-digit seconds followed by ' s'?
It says 4 h 26 min 14 s
